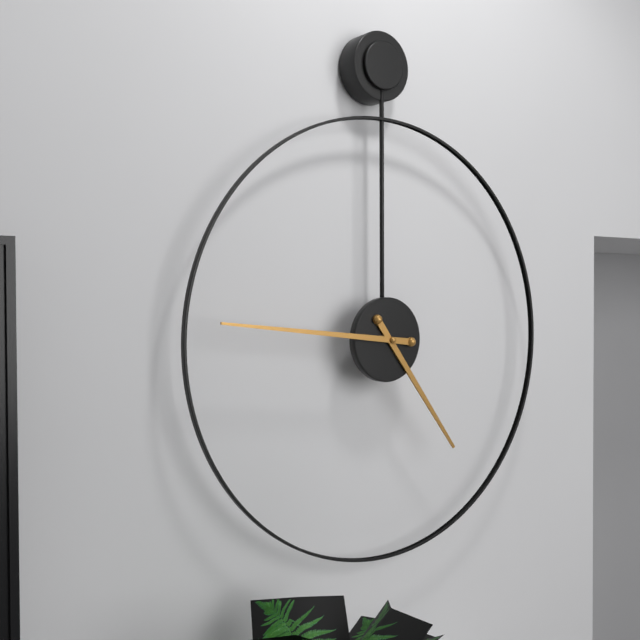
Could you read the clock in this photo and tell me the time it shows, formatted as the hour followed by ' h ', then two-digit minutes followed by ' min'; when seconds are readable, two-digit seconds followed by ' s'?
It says 4 h 46 min
